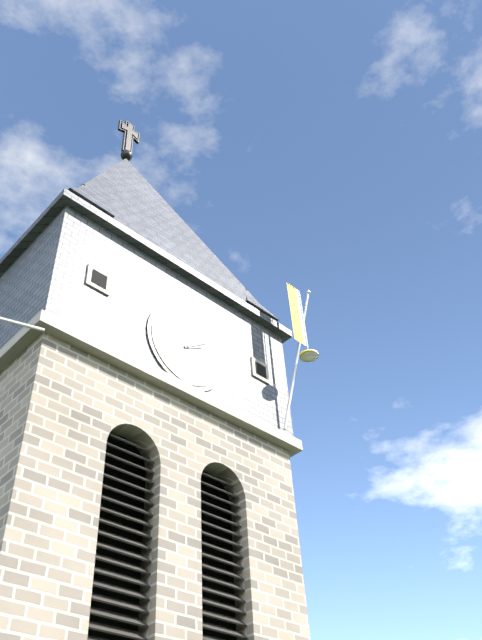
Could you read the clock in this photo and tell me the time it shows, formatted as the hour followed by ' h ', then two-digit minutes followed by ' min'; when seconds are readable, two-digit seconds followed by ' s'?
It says 2 h 09 min
